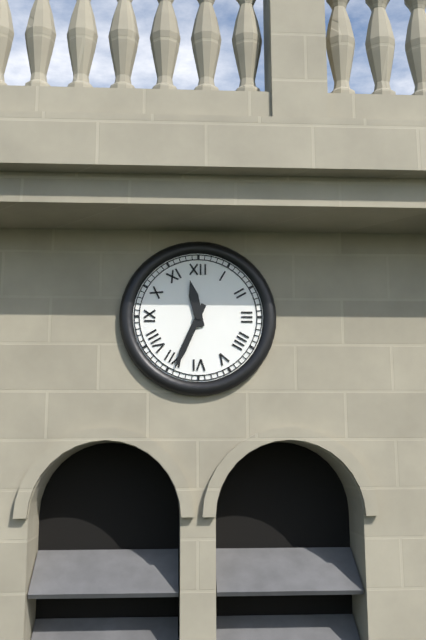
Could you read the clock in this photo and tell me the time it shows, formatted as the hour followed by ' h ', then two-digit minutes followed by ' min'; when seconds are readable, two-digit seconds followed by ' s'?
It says 11 h 34 min
